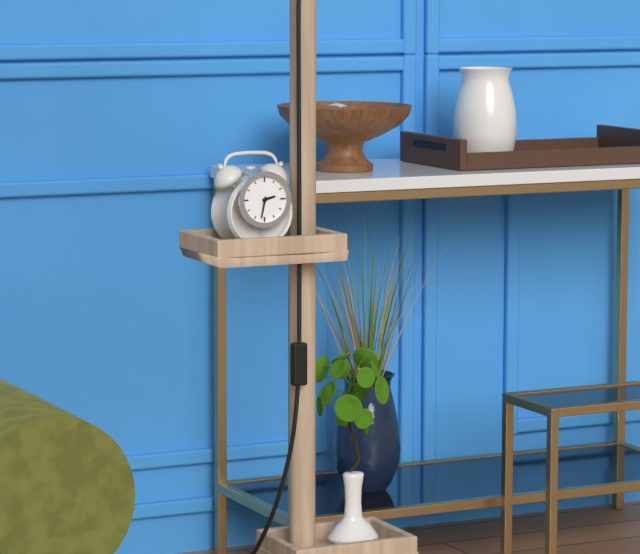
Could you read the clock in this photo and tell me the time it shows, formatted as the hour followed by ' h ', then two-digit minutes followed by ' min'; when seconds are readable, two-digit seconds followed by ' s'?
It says 2 h 32 min
